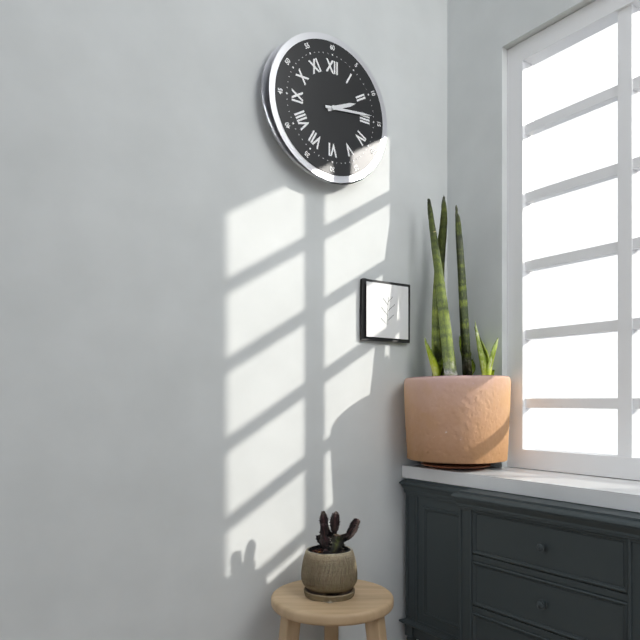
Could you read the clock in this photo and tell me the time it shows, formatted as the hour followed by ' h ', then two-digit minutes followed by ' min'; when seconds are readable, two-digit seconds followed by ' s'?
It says 2 h 14 min
